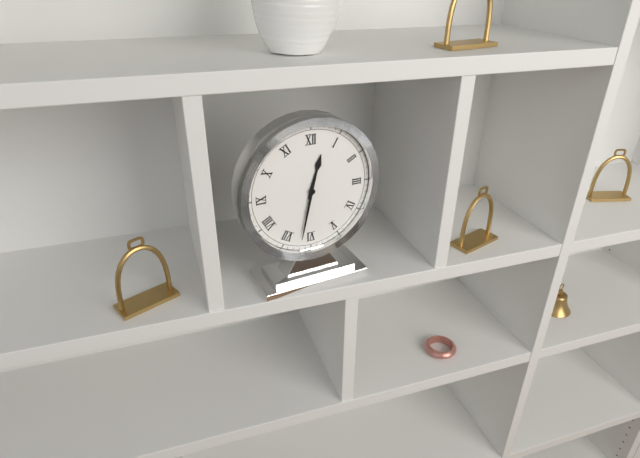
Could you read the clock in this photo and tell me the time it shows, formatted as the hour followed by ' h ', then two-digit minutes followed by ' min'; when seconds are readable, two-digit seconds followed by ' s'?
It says 12 h 32 min
